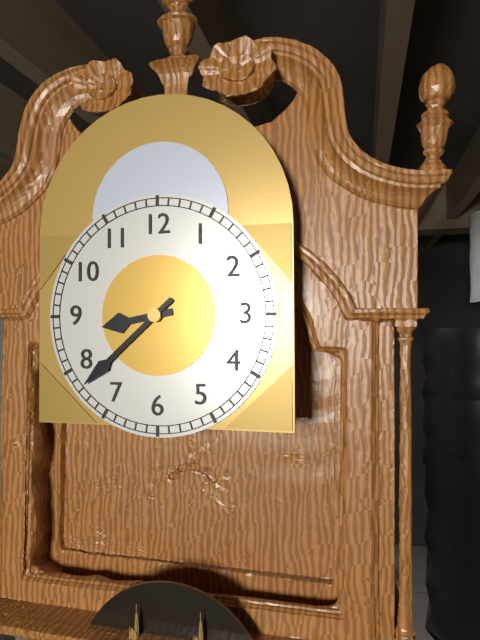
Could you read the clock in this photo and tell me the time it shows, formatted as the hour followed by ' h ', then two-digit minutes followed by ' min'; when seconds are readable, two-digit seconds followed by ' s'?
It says 8 h 38 min
